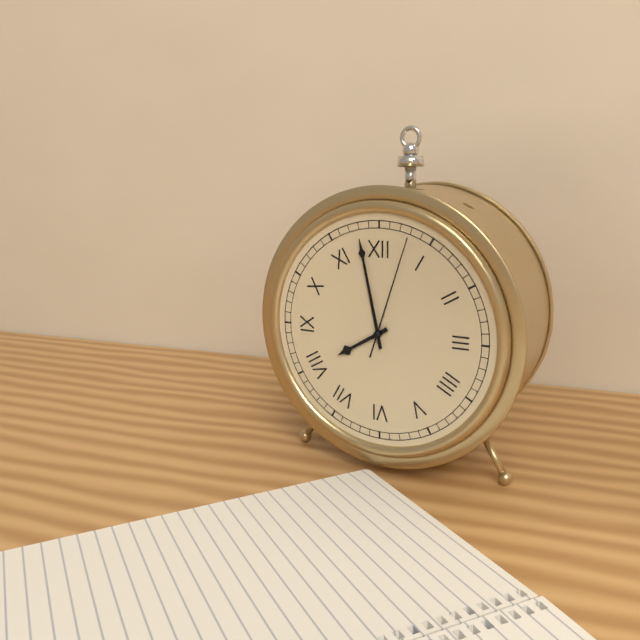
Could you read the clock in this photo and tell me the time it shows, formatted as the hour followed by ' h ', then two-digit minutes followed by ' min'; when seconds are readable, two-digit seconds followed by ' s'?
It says 7 h 58 min 03 s
